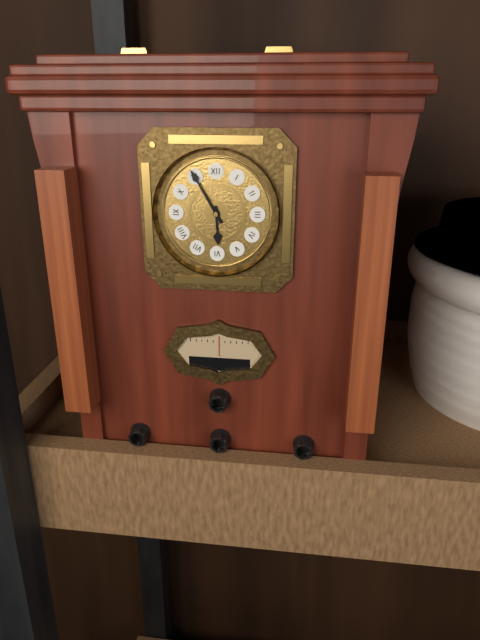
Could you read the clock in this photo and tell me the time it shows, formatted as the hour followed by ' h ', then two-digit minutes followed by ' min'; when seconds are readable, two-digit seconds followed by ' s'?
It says 5 h 55 min
